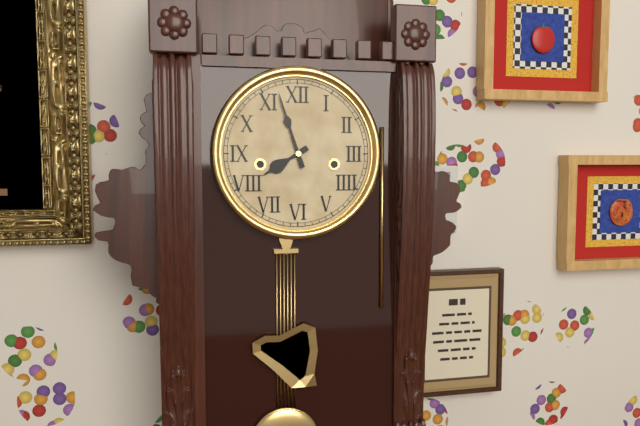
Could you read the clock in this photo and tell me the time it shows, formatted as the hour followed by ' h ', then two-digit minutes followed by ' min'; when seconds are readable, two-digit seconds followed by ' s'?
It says 7 h 57 min
